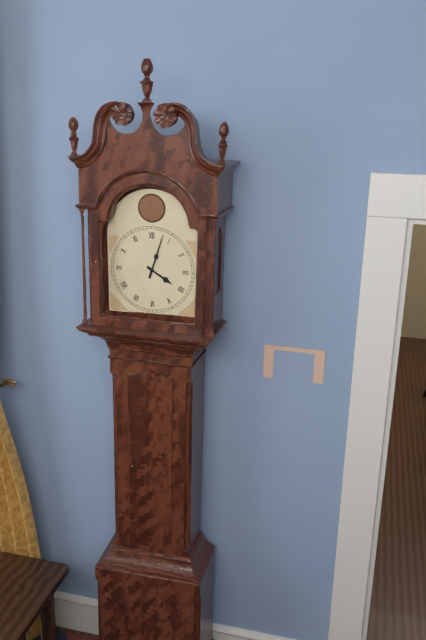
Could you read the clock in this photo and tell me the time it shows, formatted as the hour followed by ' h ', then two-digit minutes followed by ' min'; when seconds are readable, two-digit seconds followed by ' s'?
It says 4 h 03 min
